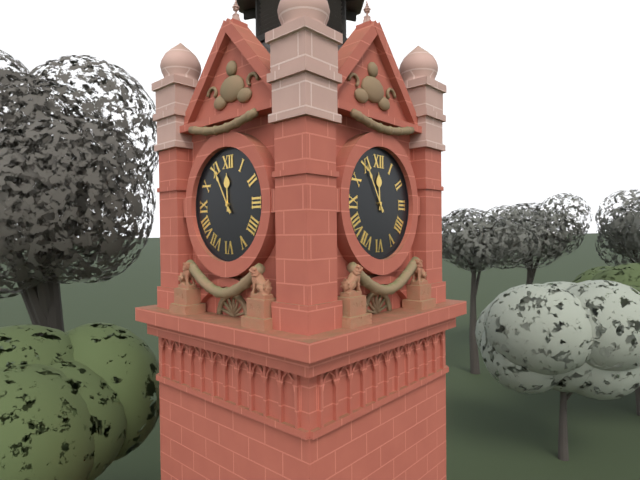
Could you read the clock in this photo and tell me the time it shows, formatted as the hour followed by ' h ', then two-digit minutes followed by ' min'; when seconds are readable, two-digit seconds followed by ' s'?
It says 11 h 55 min
